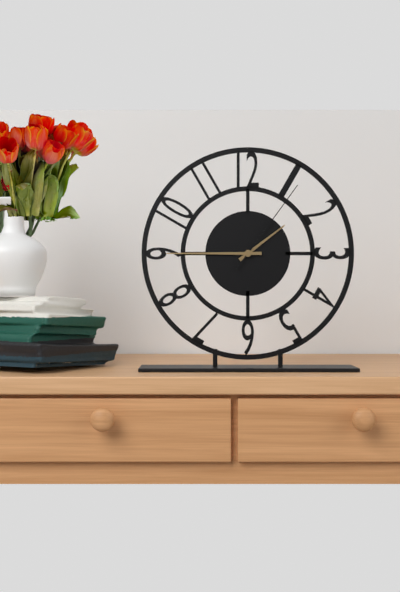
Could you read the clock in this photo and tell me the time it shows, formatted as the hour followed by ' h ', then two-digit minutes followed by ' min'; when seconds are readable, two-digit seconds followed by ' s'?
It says 1 h 45 min 06 s
